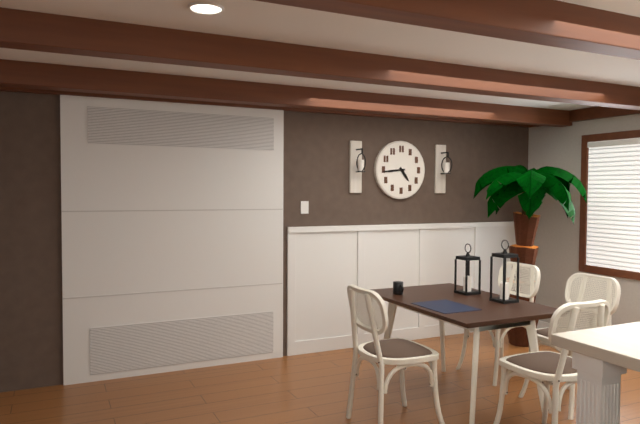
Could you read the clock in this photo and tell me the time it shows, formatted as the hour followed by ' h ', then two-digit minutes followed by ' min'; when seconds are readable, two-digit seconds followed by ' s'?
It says 4 h 44 min
